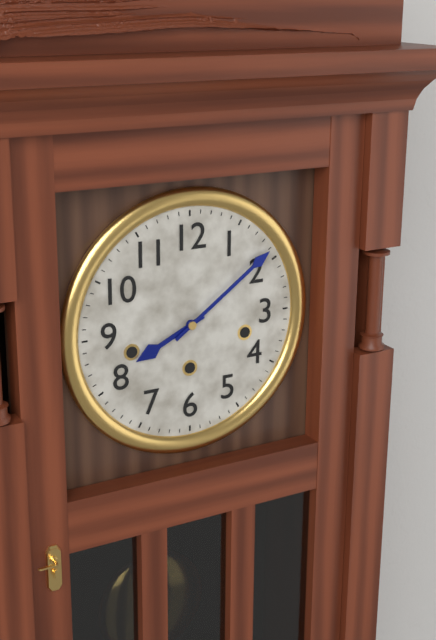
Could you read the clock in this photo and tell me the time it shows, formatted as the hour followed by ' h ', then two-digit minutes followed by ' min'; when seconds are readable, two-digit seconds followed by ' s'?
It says 8 h 09 min
